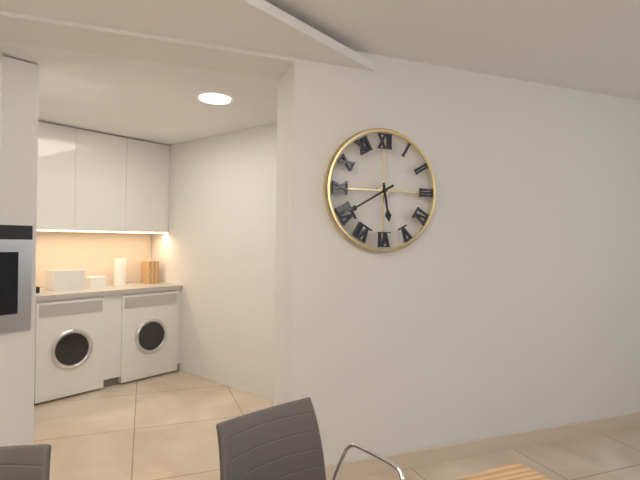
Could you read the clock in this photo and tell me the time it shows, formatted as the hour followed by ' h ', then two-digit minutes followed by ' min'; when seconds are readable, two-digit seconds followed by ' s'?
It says 5 h 40 min
